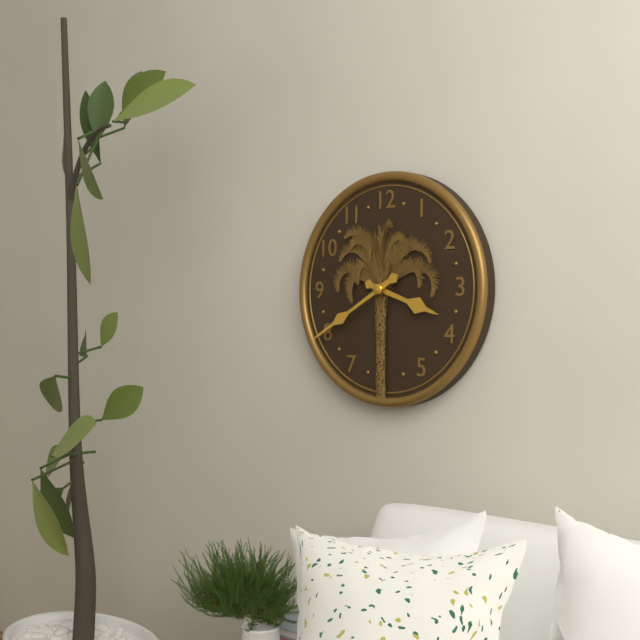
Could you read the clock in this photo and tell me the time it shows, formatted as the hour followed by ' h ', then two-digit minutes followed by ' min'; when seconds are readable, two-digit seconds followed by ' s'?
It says 3 h 40 min
